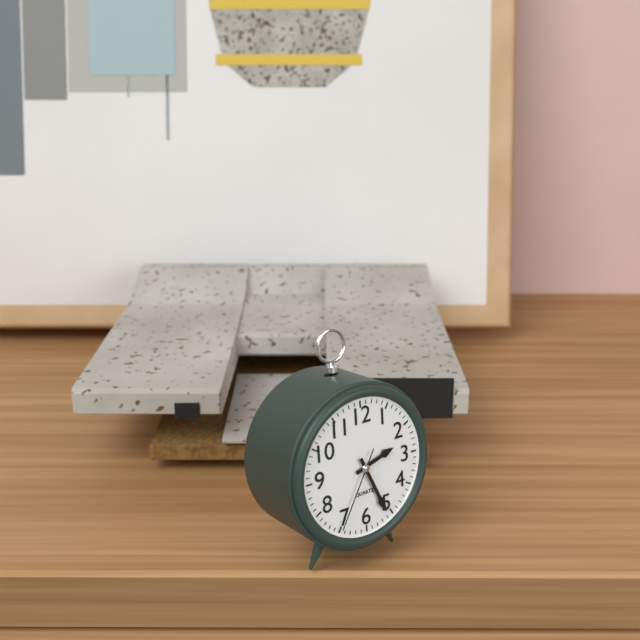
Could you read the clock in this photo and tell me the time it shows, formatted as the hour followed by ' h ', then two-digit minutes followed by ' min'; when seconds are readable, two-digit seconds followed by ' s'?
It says 2 h 26 min 35 s
